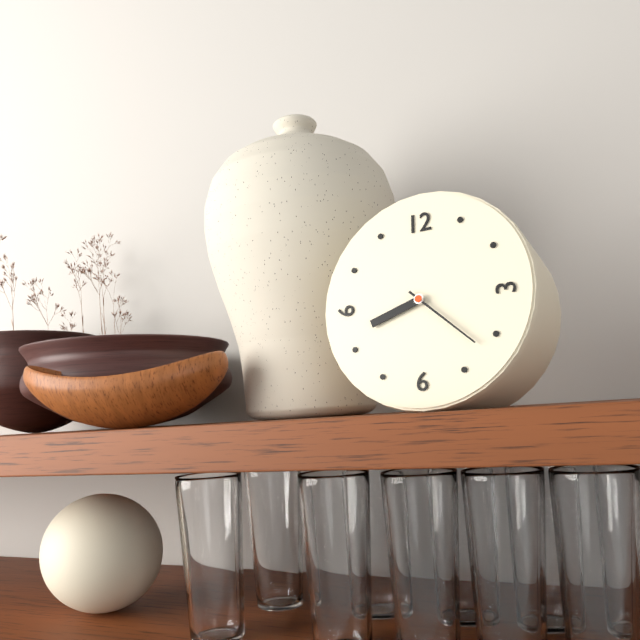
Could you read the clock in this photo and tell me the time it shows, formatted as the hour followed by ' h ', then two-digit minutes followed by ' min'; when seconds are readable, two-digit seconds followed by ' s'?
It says 8 h 22 min
